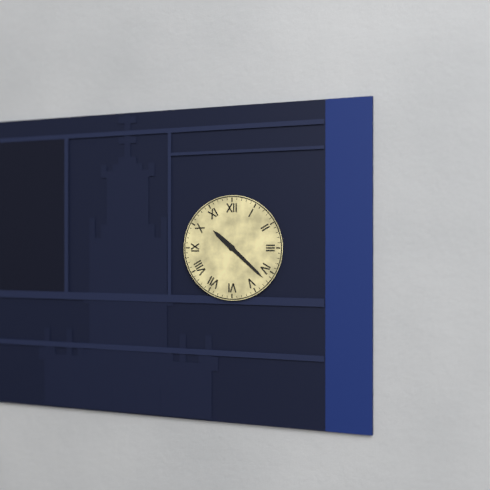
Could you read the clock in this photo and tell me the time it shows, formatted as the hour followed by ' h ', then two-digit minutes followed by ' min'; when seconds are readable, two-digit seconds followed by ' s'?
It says 10 h 22 min
